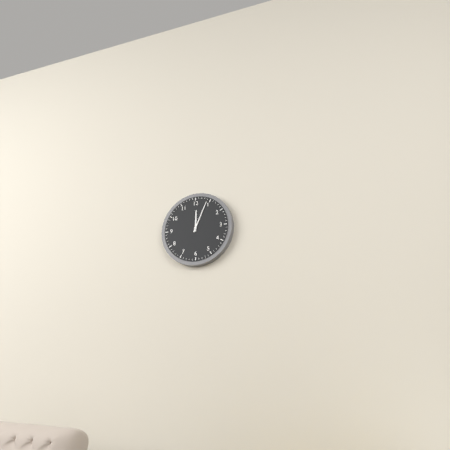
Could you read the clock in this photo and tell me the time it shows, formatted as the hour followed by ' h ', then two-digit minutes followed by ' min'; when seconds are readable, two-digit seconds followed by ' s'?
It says 12 h 04 min
